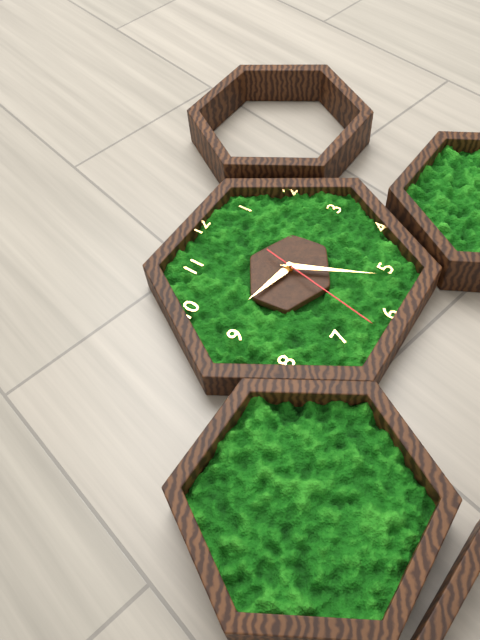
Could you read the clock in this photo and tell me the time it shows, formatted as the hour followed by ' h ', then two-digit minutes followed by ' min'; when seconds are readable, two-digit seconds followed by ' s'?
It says 9 h 26 min 32 s
